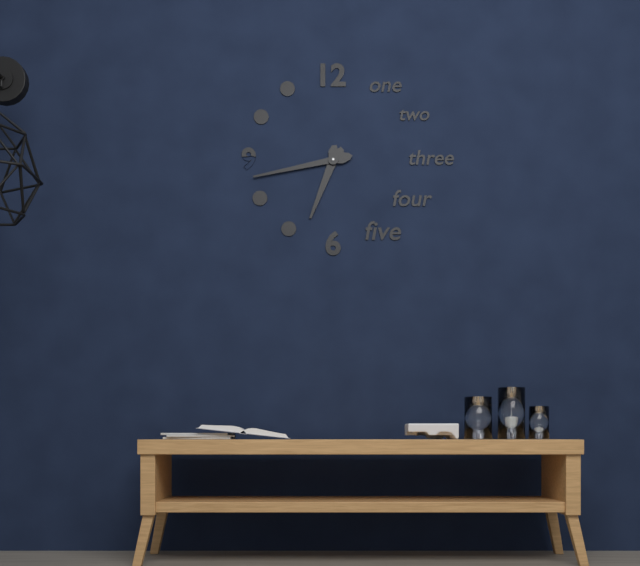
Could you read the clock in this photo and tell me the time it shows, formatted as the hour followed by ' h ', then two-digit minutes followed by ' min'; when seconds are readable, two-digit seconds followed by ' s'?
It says 6 h 43 min
